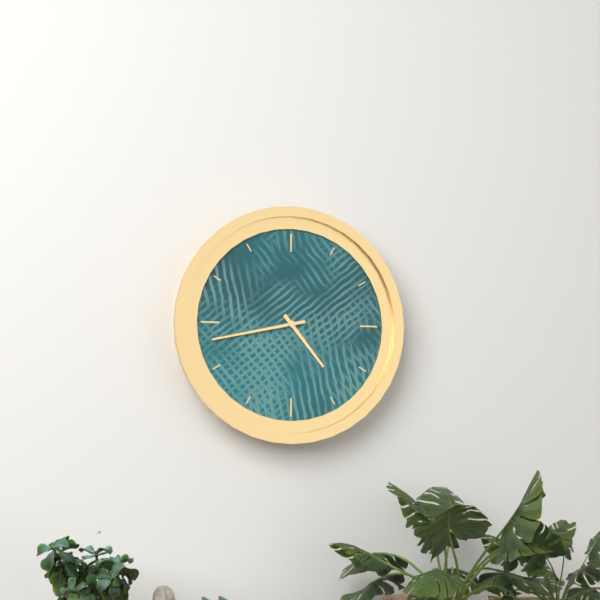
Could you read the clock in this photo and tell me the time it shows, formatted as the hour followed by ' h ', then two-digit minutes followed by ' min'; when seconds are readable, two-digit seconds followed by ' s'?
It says 4 h 43 min
